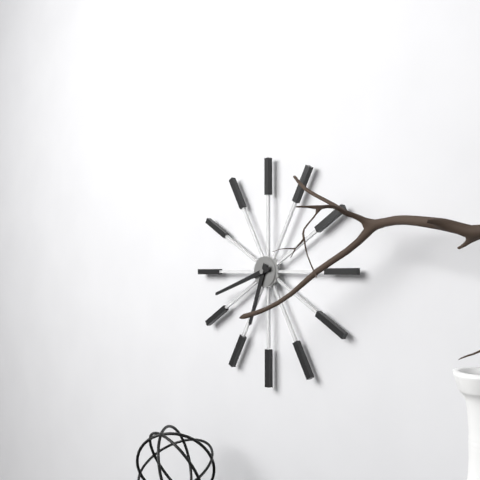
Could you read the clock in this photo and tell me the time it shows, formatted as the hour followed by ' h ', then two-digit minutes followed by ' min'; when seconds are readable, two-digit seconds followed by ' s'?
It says 6 h 42 min
